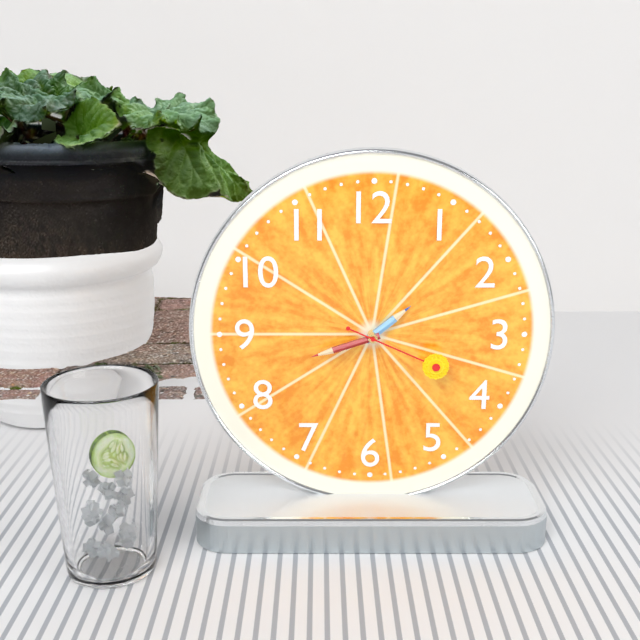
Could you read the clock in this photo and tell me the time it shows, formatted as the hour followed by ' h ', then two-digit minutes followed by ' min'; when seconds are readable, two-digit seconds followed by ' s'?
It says 1 h 42 min 19 s
